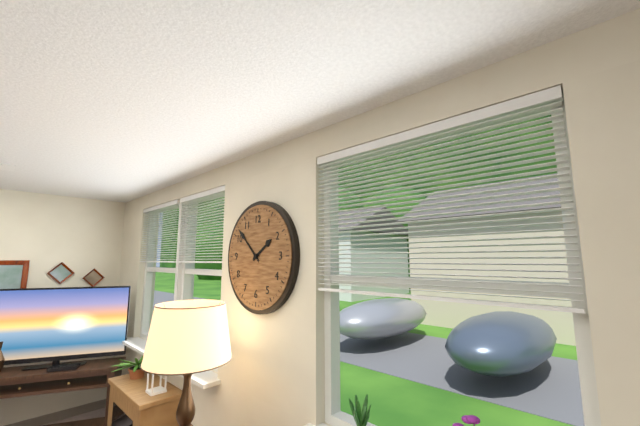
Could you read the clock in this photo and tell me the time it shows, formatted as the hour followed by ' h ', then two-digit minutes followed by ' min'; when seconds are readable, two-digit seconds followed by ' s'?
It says 1 h 52 min
